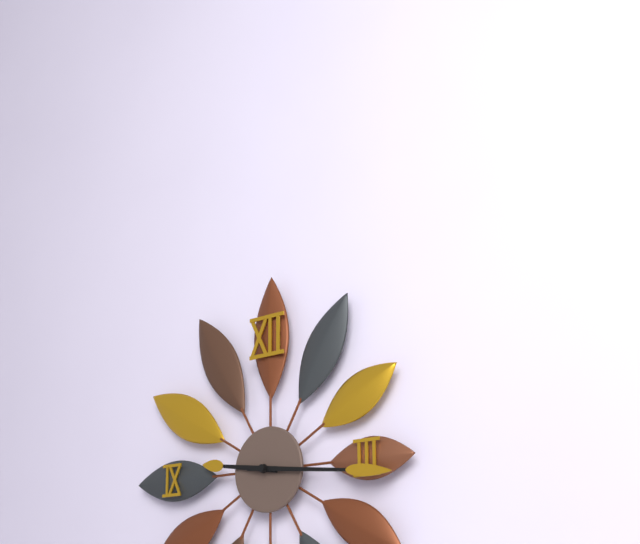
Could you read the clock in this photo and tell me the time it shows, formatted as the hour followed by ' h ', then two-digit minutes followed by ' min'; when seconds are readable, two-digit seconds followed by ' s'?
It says 9 h 16 min
